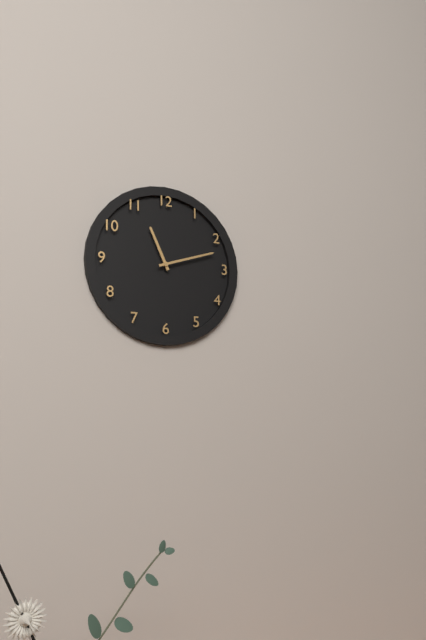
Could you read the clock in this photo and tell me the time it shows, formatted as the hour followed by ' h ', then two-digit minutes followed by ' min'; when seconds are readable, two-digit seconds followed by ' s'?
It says 11 h 12 min
